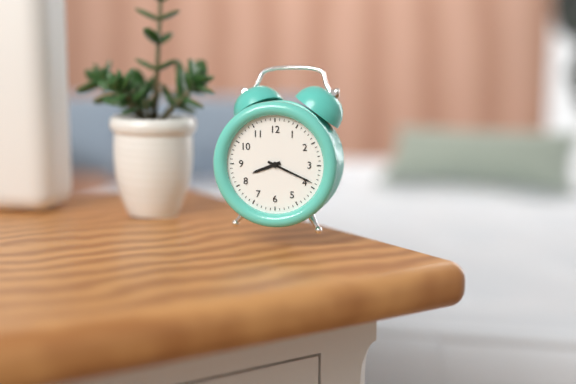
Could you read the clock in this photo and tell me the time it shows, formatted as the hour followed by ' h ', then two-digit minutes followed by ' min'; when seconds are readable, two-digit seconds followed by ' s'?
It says 8 h 19 min
